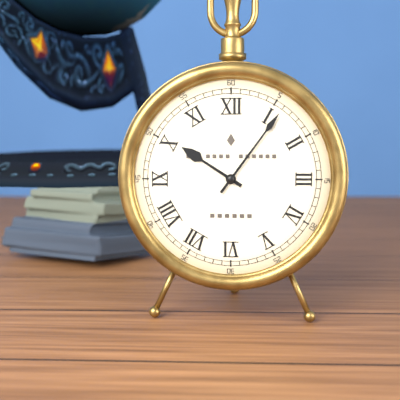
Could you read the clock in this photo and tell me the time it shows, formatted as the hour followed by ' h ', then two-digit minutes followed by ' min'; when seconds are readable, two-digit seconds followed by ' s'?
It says 10 h 06 min
